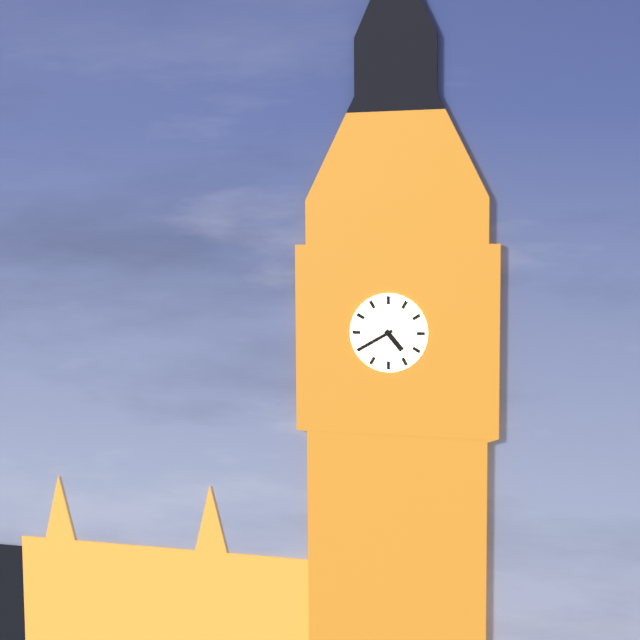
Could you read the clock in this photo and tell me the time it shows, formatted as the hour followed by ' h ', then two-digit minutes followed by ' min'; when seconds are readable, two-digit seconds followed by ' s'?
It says 4 h 40 min
